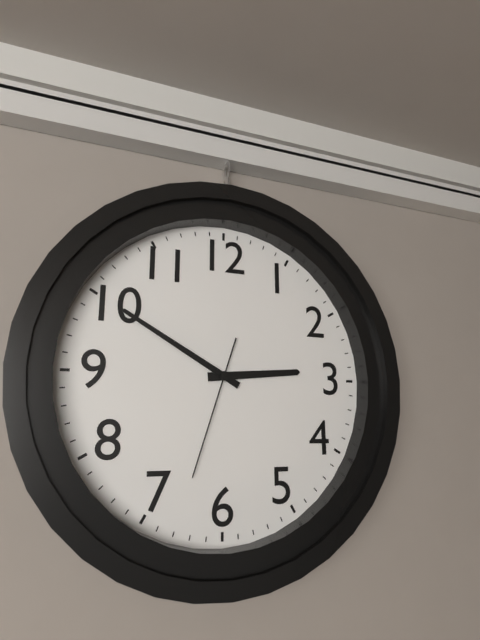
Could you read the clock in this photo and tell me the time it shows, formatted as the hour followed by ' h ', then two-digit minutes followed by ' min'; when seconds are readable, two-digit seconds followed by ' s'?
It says 2 h 50 min 33 s
